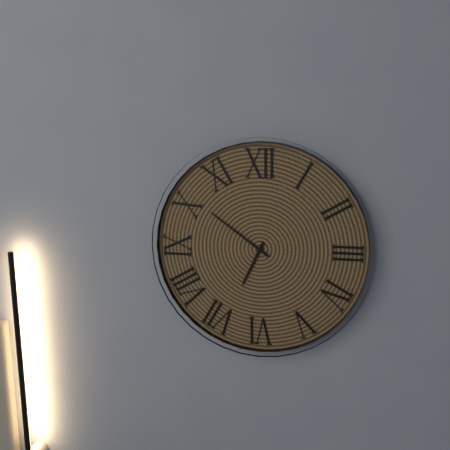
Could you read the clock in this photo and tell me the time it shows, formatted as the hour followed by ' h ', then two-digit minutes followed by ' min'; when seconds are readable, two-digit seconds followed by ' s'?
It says 6 h 51 min
